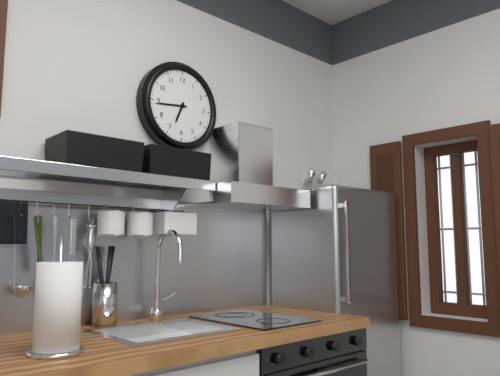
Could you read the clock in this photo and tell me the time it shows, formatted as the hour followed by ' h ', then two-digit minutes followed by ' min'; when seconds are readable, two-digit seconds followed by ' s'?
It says 6 h 44 min
